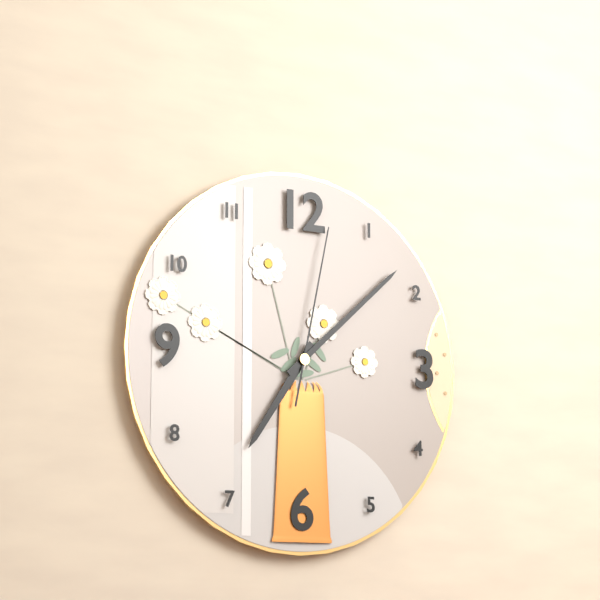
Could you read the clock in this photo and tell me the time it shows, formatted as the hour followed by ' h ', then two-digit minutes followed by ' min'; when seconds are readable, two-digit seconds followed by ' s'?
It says 7 h 08 min 02 s
